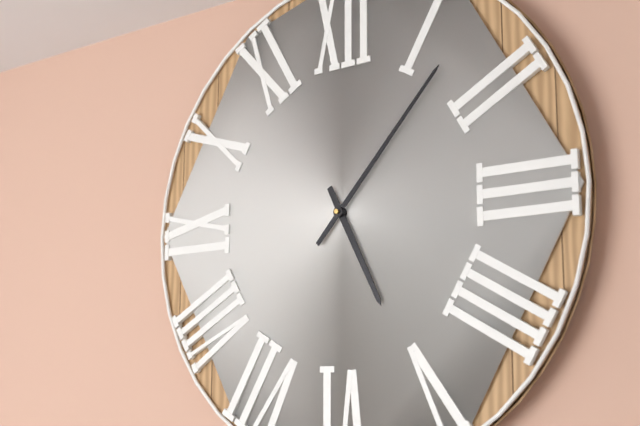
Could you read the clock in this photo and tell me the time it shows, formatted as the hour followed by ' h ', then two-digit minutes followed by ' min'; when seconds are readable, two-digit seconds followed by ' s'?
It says 5 h 07 min
